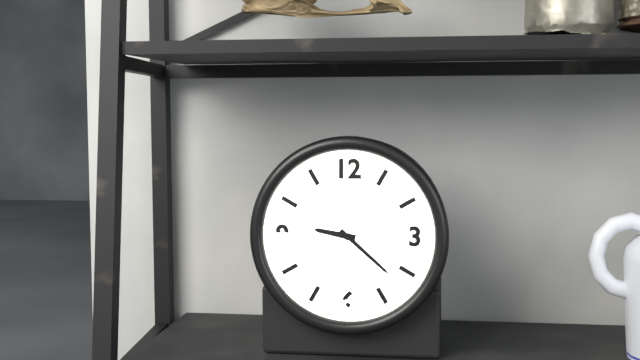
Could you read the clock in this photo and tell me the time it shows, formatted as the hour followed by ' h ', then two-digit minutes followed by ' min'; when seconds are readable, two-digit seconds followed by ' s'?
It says 9 h 22 min
